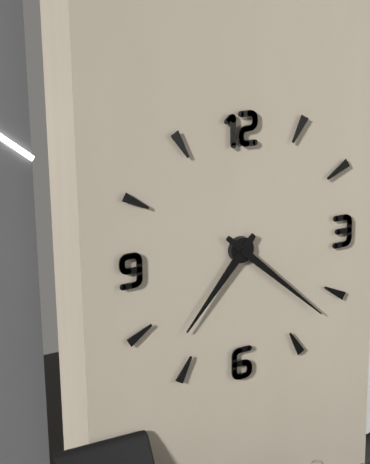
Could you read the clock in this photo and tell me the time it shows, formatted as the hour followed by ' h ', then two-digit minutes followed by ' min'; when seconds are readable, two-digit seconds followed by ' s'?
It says 7 h 22 min
